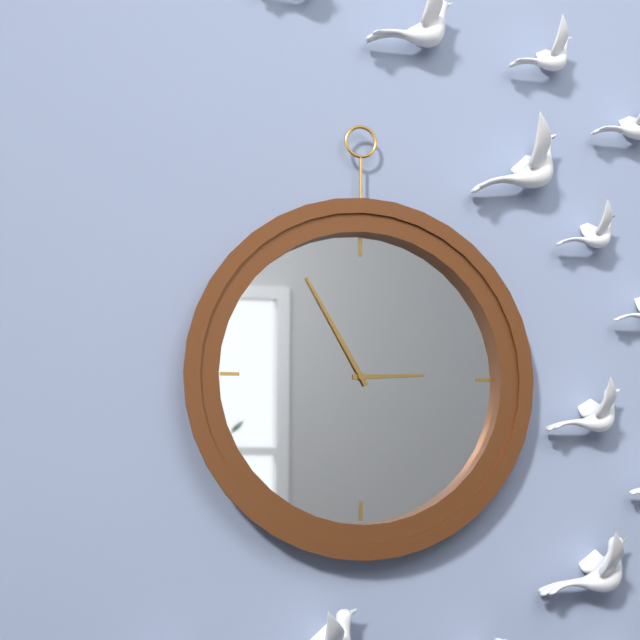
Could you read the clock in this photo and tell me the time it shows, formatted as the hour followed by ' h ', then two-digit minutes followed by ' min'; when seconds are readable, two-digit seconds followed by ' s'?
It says 2 h 55 min
